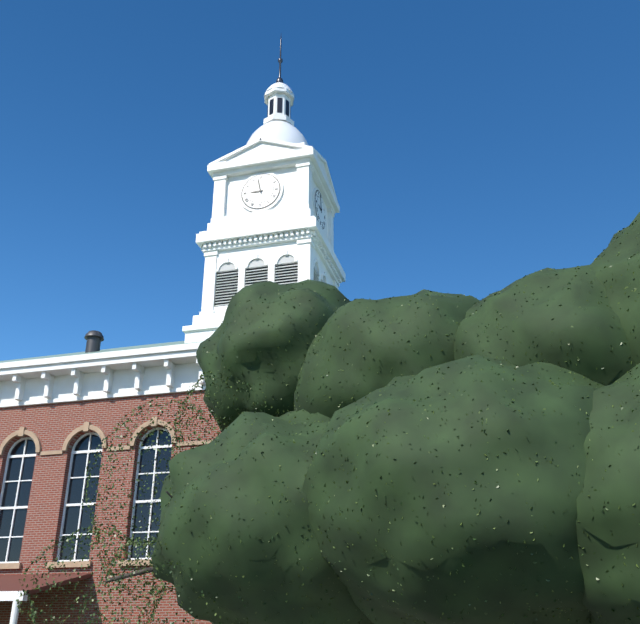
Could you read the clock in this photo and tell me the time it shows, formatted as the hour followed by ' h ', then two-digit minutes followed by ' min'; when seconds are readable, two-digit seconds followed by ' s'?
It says 8 h 58 min
